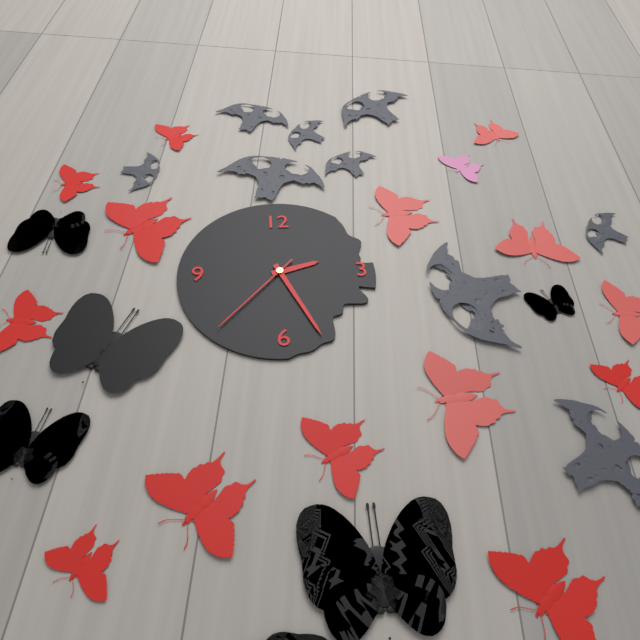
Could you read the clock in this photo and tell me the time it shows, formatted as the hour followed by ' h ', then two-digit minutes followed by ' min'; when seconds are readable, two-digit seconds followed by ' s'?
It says 2 h 26 min 37 s
